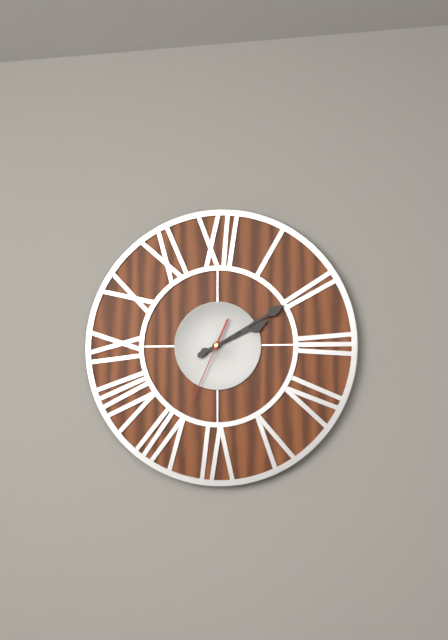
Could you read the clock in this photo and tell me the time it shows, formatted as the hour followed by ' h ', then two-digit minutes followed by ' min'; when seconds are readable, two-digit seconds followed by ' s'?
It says 2 h 10 min 34 s
